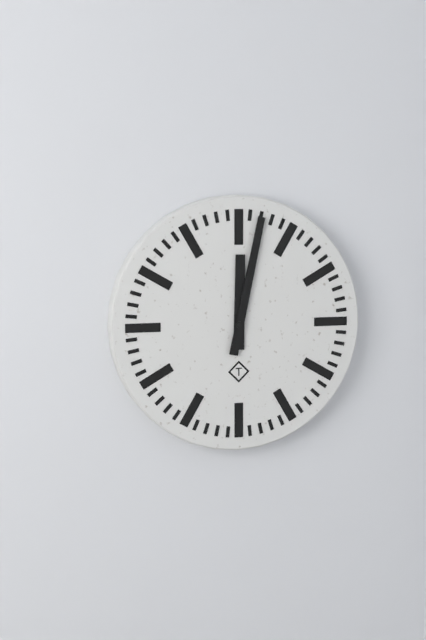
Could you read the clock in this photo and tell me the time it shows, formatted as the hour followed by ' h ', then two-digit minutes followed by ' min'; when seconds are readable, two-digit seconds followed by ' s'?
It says 12 h 02 min
